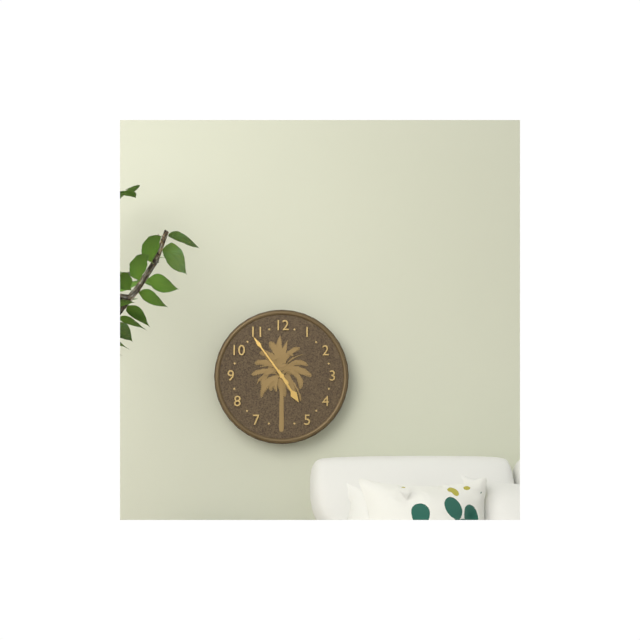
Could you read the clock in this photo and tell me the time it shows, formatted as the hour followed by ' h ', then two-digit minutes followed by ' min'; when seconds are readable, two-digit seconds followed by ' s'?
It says 4 h 54 min
